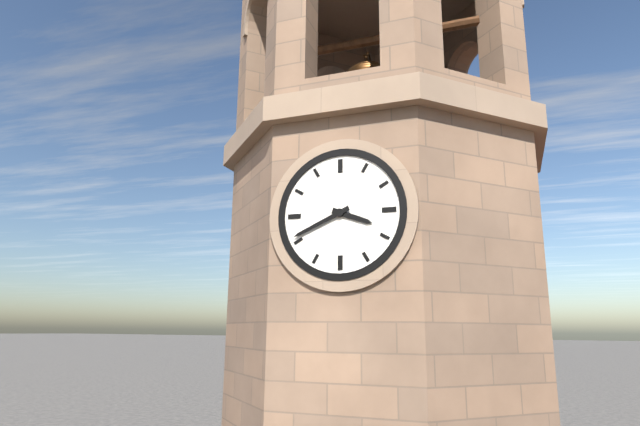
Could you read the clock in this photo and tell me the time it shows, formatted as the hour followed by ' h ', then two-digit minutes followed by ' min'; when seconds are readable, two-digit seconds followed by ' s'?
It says 3 h 41 min
